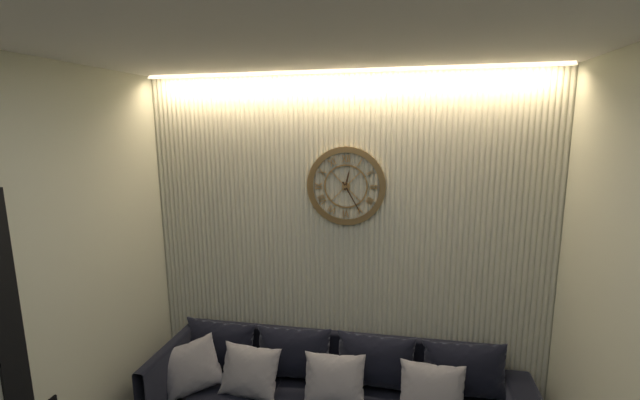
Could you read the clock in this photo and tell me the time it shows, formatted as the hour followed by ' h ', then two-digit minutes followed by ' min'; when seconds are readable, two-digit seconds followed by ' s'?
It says 12 h 25 min
